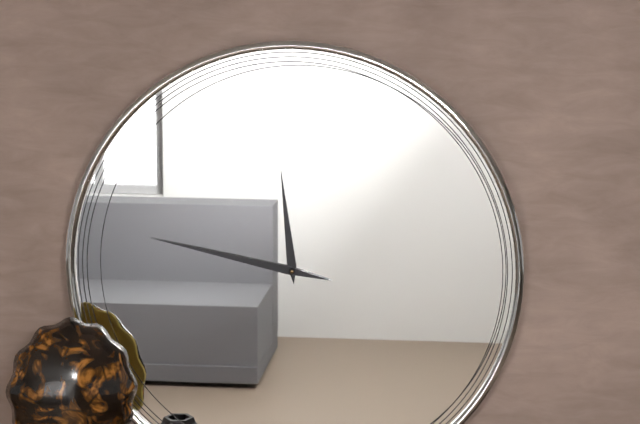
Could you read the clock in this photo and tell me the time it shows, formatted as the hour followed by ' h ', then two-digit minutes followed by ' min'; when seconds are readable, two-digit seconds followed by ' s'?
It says 11 h 47 min
